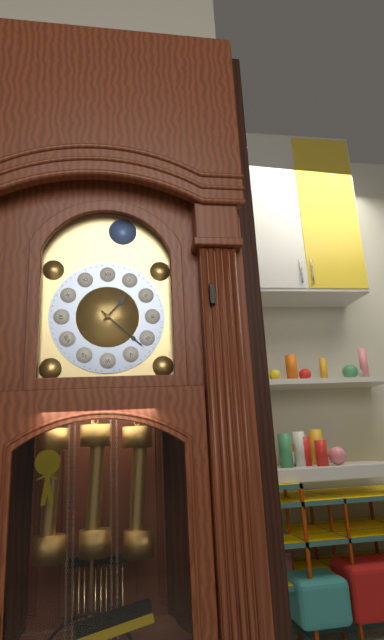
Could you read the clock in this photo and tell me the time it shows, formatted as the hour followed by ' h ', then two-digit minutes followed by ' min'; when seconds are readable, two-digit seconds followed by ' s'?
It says 1 h 22 min
